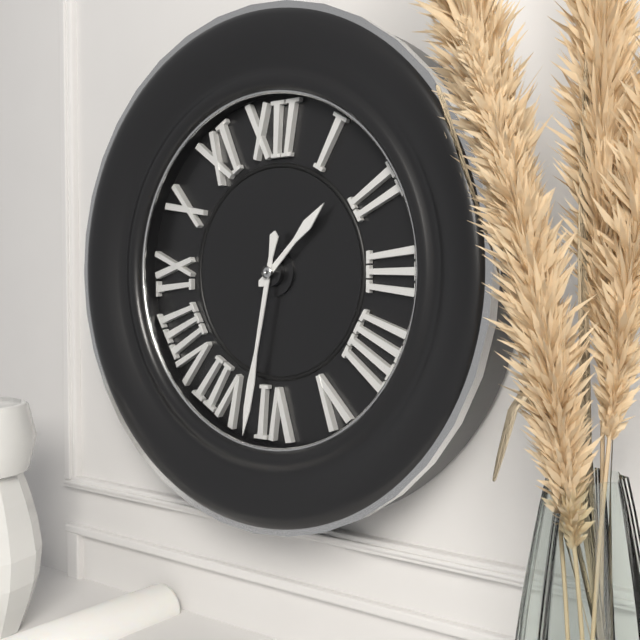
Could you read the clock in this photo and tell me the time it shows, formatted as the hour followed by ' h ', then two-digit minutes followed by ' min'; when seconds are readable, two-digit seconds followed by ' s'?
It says 1 h 32 min
